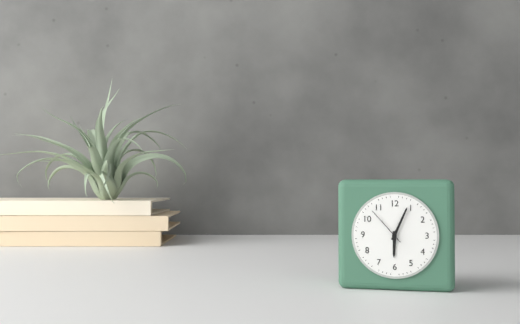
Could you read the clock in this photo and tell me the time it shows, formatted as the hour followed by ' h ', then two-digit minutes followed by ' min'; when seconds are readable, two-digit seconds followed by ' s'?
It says 6 h 04 min
